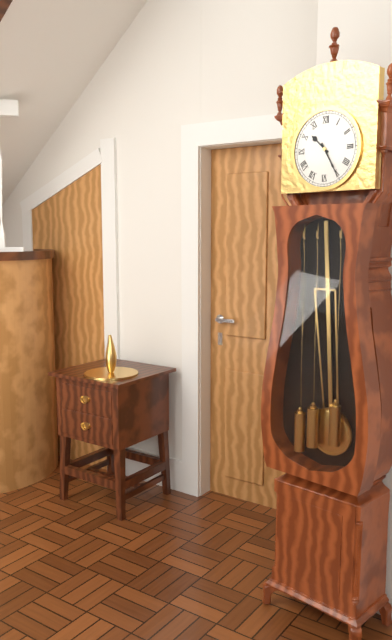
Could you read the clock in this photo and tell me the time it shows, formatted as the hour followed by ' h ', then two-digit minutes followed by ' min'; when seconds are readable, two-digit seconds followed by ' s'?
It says 10 h 25 min
